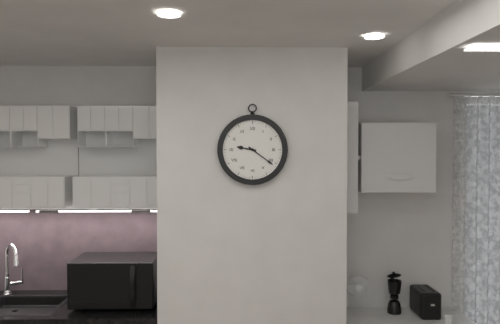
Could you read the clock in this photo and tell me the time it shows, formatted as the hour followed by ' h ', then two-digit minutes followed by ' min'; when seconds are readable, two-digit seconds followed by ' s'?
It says 9 h 21 min
